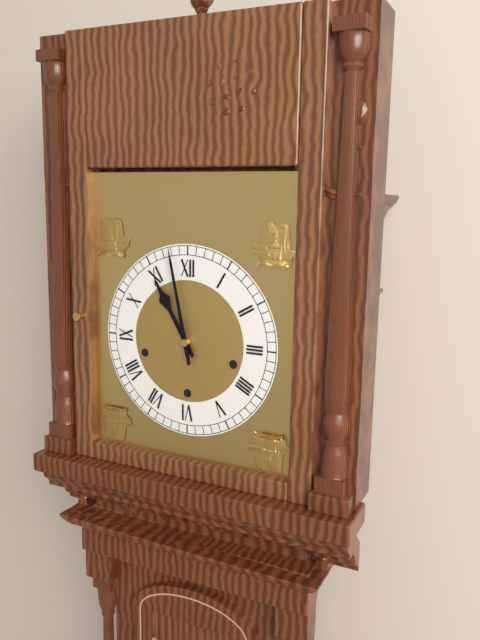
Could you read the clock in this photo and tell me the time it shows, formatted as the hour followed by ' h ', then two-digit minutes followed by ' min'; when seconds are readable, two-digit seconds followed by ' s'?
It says 10 h 58 min
